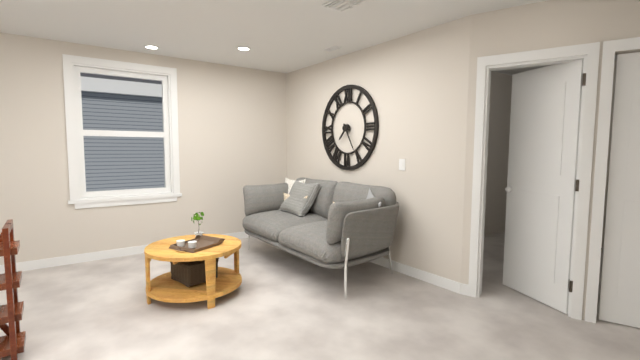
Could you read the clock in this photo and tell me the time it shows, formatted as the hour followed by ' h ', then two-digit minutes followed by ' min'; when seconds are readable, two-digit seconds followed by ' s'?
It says 7 h 25 min
